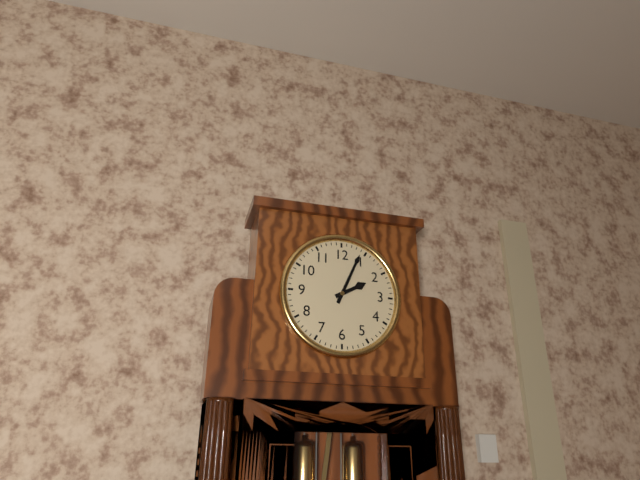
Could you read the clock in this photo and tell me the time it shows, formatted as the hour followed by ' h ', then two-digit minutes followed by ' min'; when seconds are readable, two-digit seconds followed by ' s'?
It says 2 h 04 min
